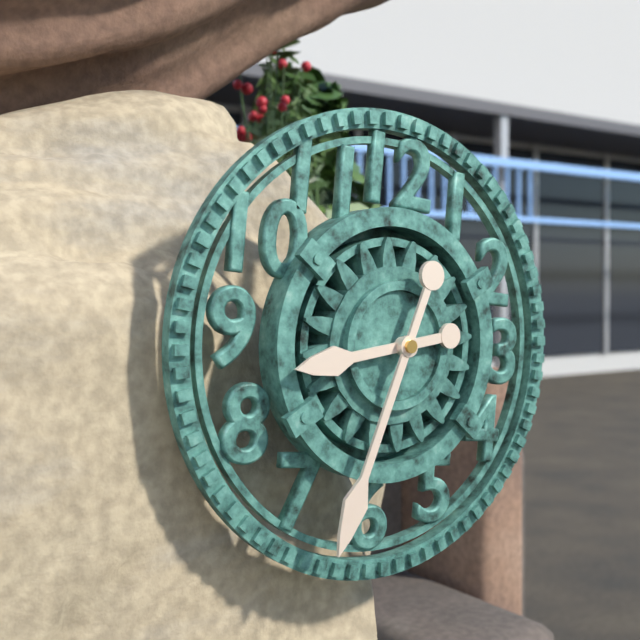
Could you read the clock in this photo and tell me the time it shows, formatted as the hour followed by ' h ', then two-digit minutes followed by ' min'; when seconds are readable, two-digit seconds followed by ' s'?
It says 8 h 33 min
